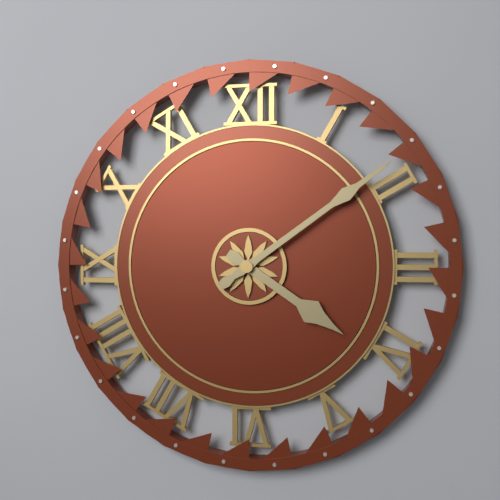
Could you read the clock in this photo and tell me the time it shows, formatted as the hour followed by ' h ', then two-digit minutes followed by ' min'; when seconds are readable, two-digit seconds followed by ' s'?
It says 4 h 09 min
